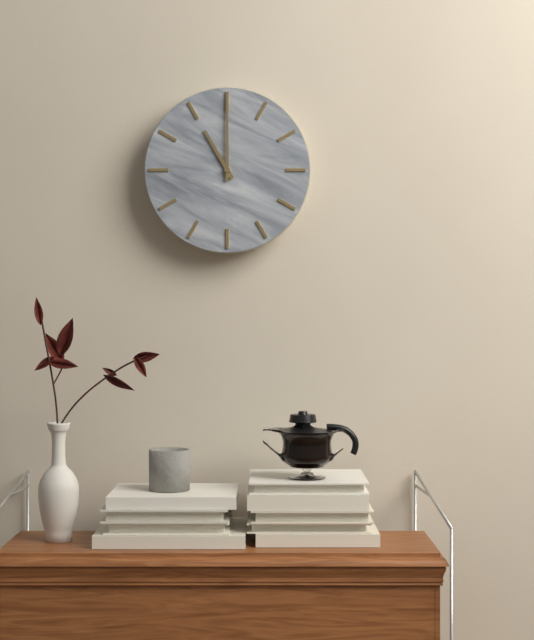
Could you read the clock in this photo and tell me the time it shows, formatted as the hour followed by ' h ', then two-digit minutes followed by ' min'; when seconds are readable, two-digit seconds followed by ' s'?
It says 11 h 00 min
